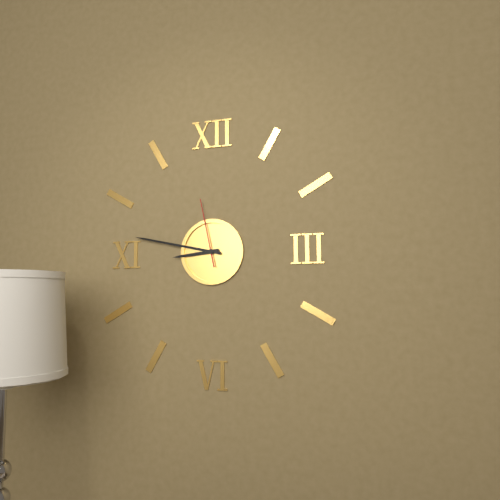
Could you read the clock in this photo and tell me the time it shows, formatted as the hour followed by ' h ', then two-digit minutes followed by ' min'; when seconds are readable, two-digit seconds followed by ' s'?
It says 8 h 47 min 58 s
